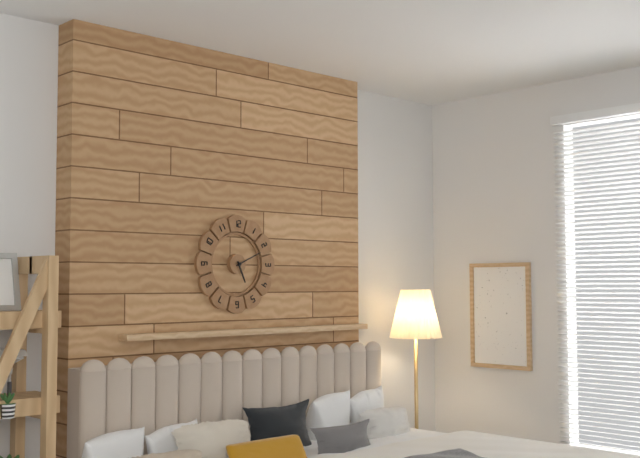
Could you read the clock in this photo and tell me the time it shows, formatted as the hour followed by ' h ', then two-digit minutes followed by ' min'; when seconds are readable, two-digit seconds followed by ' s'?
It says 5 h 11 min
